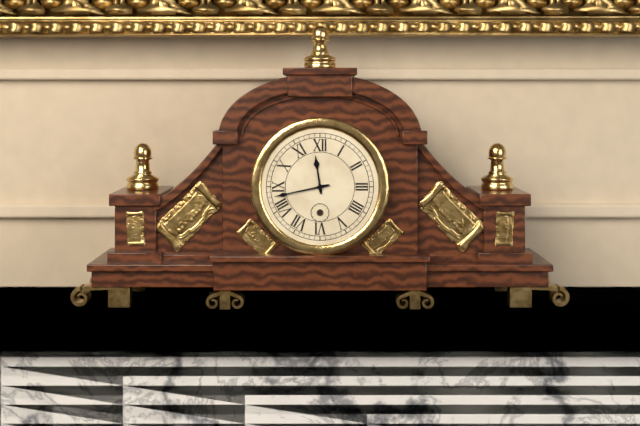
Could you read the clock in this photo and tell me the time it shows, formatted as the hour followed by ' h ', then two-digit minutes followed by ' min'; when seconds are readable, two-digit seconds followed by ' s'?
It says 11 h 43 min
